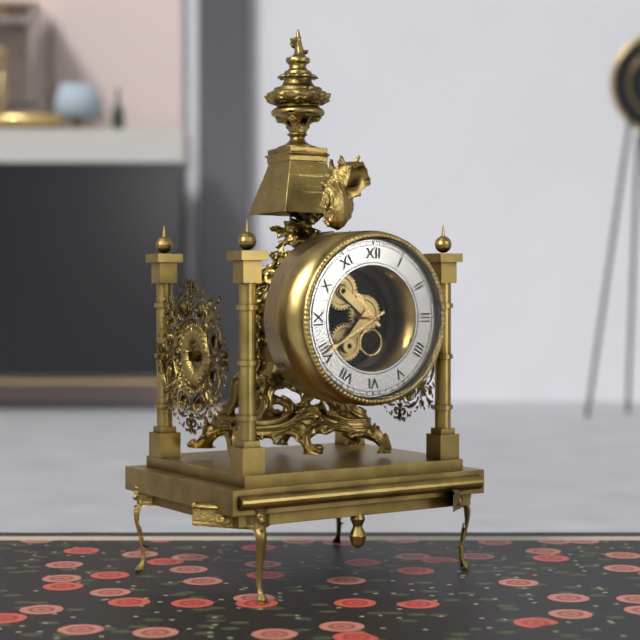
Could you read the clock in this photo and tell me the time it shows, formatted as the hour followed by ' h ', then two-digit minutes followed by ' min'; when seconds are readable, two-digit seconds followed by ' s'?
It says 10 h 40 min
